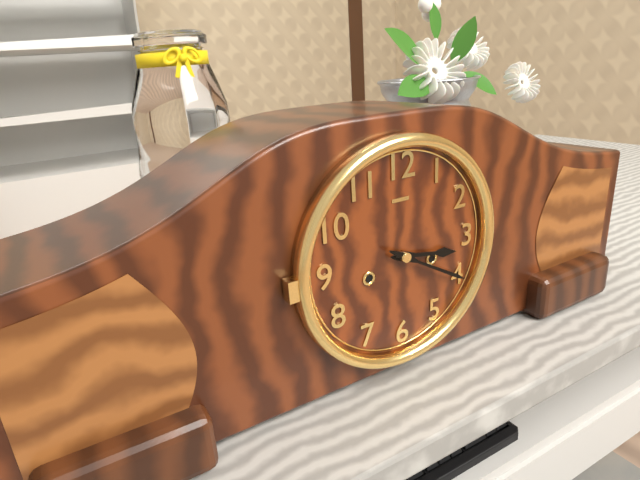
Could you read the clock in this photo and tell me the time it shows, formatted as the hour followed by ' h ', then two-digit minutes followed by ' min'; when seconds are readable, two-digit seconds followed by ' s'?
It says 3 h 20 min
